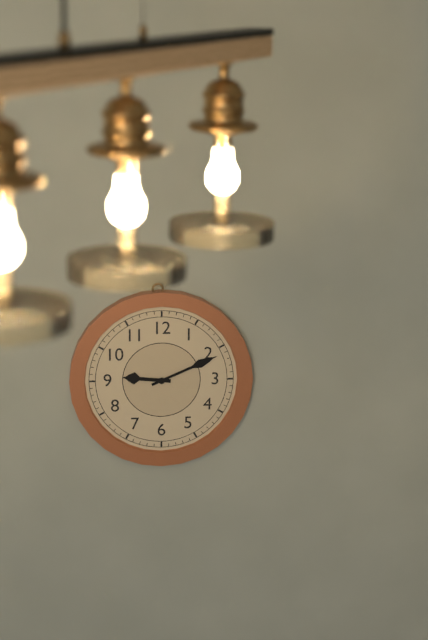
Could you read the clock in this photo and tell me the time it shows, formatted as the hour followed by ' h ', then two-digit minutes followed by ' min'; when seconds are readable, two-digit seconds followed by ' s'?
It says 9 h 11 min
